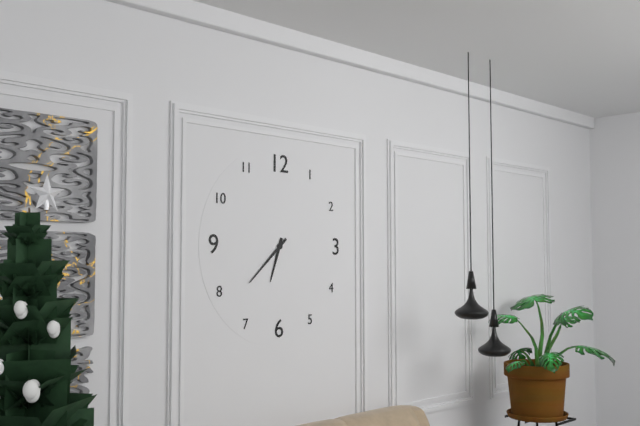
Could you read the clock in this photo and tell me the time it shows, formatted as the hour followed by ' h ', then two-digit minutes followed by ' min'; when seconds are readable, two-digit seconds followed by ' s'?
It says 6 h 38 min
